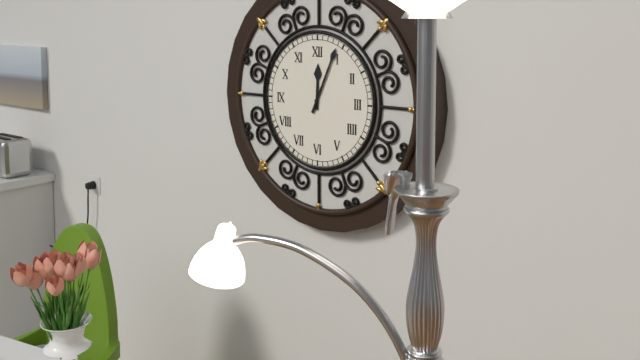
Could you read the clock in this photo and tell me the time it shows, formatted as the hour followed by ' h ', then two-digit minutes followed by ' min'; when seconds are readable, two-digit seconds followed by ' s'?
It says 12 h 04 min
